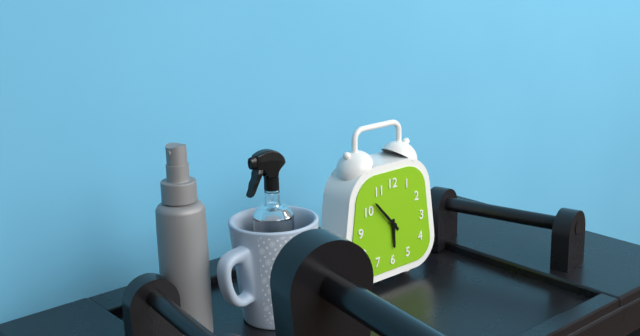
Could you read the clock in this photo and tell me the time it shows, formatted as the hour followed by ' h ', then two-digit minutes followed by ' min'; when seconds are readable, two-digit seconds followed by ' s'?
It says 5 h 53 min
